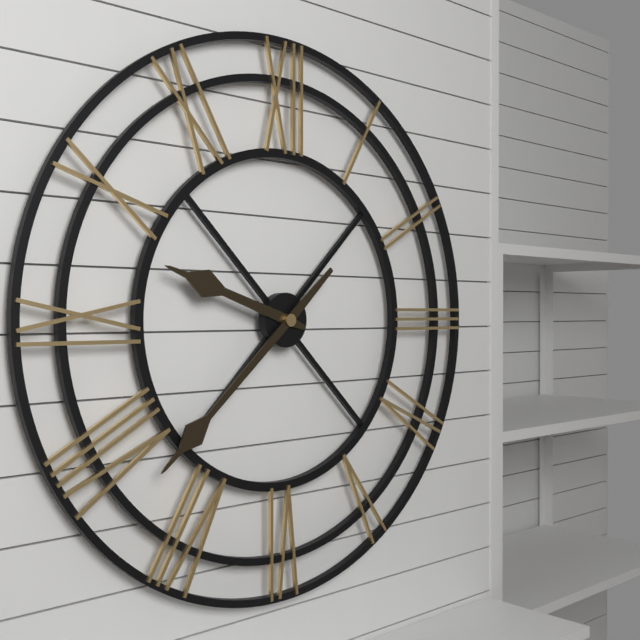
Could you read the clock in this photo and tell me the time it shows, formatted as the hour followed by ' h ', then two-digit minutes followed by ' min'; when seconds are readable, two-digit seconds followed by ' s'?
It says 9 h 38 min
